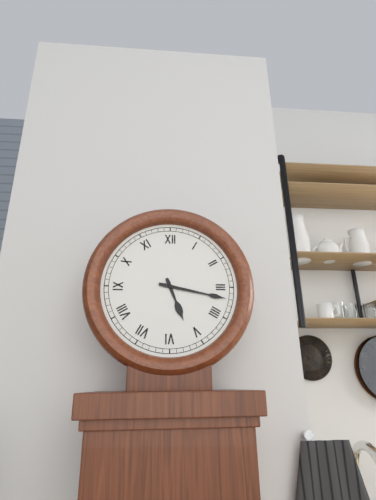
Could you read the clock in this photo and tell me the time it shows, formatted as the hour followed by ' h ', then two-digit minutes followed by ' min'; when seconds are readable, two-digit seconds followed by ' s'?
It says 5 h 17 min
